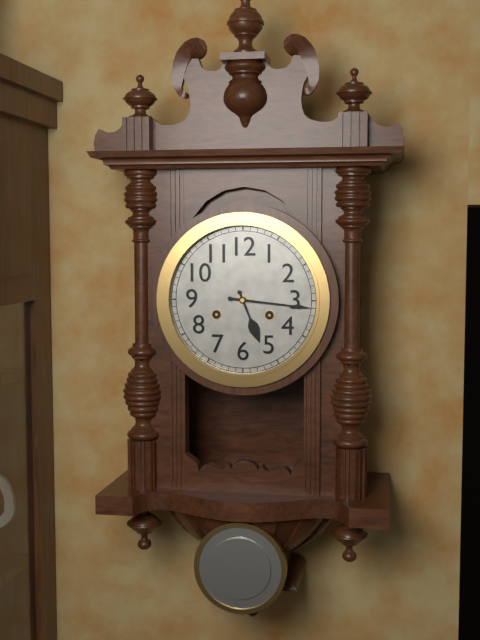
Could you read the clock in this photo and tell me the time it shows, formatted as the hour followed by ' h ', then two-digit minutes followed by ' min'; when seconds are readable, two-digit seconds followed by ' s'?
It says 5 h 16 min
